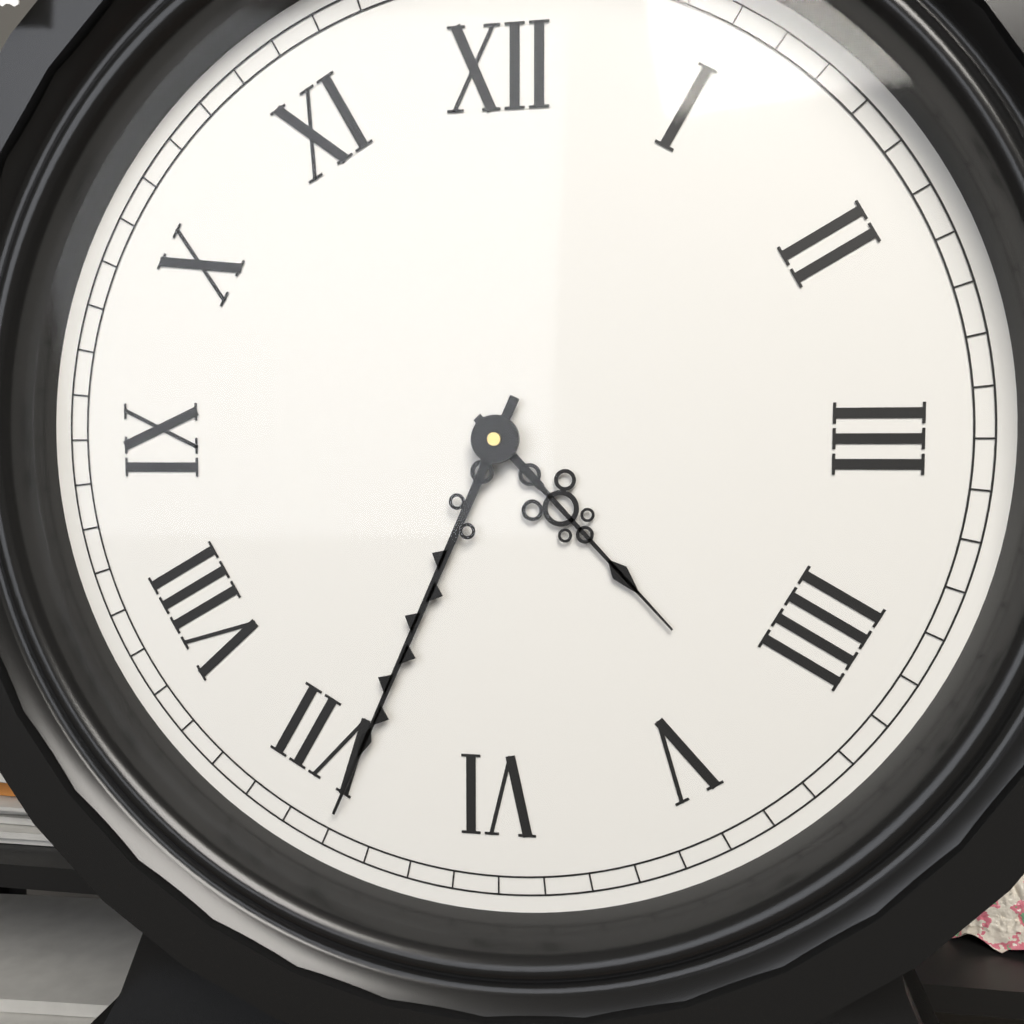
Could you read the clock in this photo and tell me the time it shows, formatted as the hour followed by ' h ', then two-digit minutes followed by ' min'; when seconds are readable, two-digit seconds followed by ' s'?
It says 4 h 34 min
